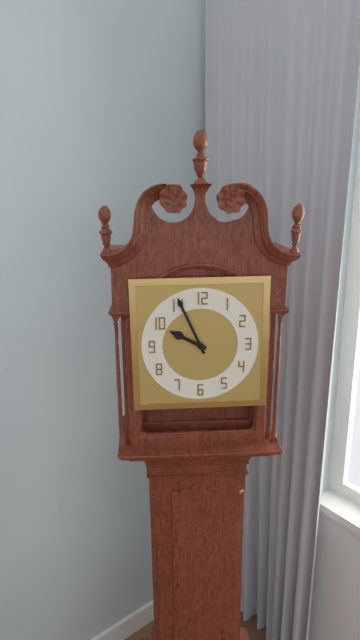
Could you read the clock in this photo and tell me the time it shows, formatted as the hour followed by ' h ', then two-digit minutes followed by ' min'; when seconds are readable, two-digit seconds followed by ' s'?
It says 9 h 56 min
